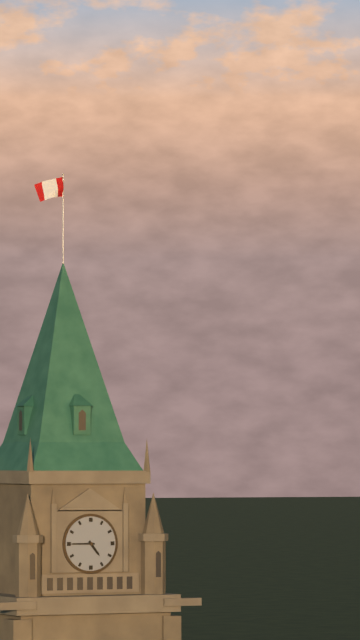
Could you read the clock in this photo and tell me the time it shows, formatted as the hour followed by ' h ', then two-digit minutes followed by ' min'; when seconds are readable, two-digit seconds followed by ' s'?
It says 4 h 45 min
